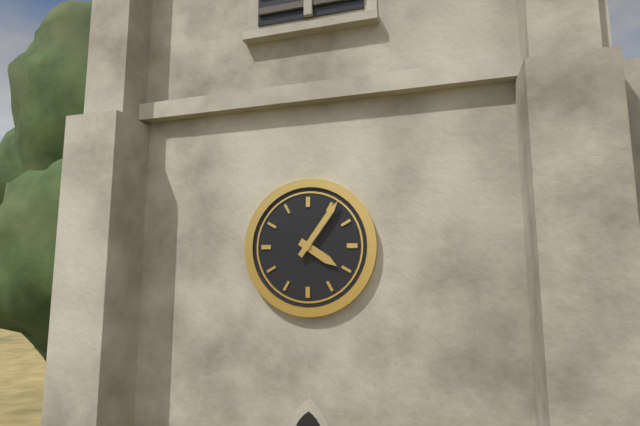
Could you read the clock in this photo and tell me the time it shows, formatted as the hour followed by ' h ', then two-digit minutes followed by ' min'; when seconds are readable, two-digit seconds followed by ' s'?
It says 4 h 06 min
